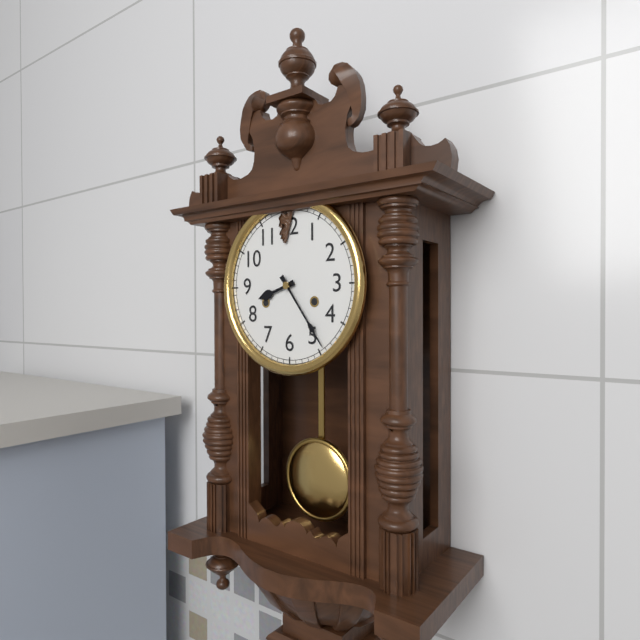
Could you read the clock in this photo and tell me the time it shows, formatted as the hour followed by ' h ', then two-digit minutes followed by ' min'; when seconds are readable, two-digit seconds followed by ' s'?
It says 8 h 24 min
